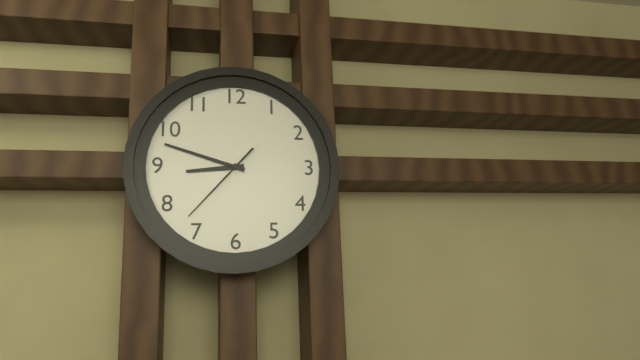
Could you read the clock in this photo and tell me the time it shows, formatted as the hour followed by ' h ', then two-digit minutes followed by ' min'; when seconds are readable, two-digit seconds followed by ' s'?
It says 8 h 48 min 37 s
